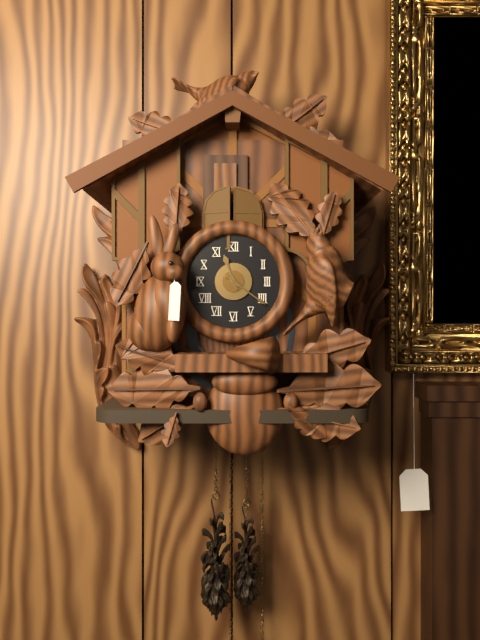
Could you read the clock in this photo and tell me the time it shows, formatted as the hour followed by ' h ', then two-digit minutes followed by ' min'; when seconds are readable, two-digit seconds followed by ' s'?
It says 11 h 21 min
